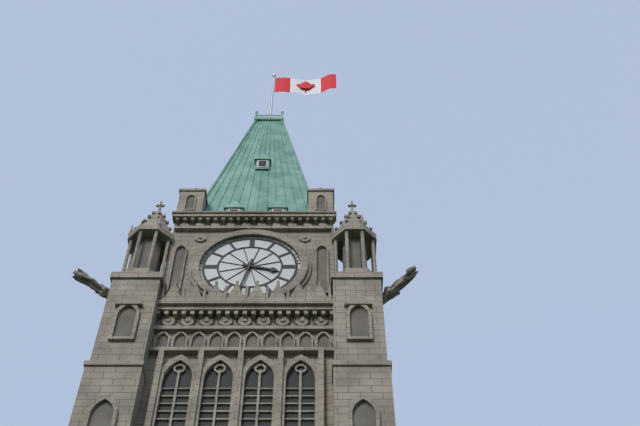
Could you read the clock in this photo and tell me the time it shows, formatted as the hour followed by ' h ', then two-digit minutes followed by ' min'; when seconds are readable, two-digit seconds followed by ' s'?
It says 3 h 32 min
